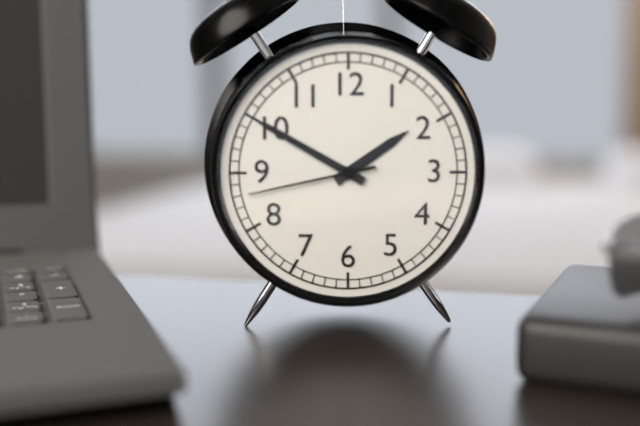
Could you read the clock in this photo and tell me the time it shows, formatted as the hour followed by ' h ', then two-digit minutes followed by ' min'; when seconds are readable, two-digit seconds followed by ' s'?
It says 1 h 50 min 43 s
